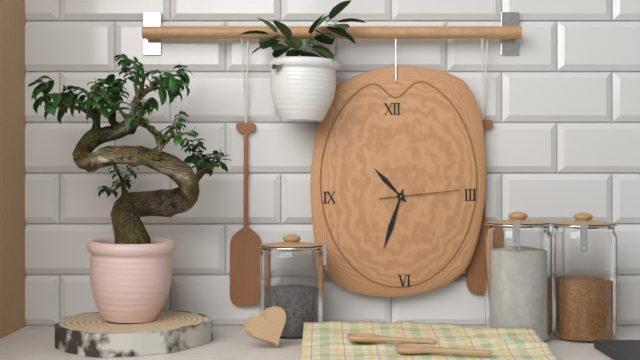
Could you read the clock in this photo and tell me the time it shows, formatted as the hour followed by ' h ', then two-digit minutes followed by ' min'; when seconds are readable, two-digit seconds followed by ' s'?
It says 10 h 33 min 14 s
